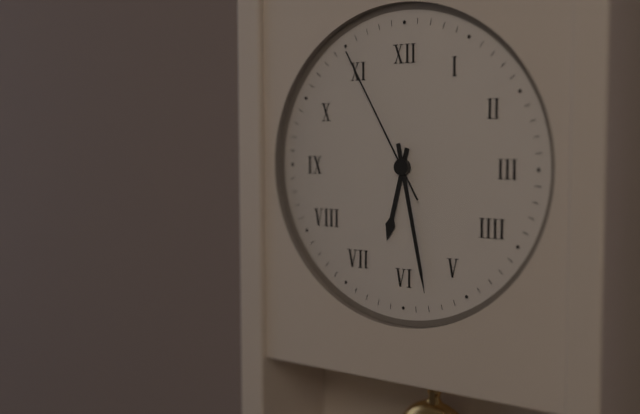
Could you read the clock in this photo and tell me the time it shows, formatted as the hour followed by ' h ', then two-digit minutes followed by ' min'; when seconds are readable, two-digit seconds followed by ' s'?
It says 6 h 28 min 55 s
